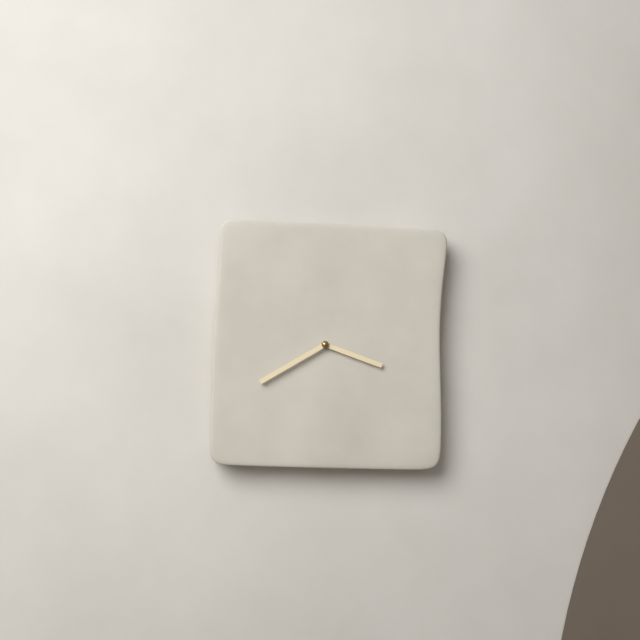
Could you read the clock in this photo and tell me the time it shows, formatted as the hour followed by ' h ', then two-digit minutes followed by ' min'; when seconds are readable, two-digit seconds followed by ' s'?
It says 3 h 40 min
